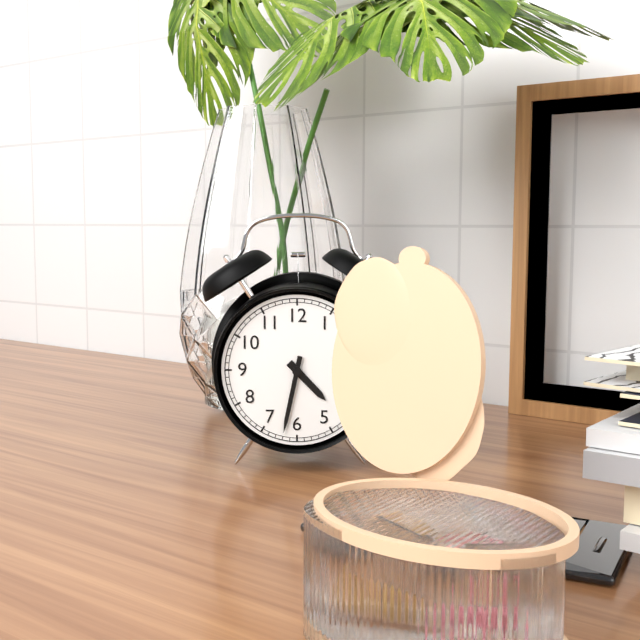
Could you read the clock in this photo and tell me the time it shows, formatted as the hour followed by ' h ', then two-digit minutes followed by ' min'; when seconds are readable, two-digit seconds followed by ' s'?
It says 4 h 32 min
